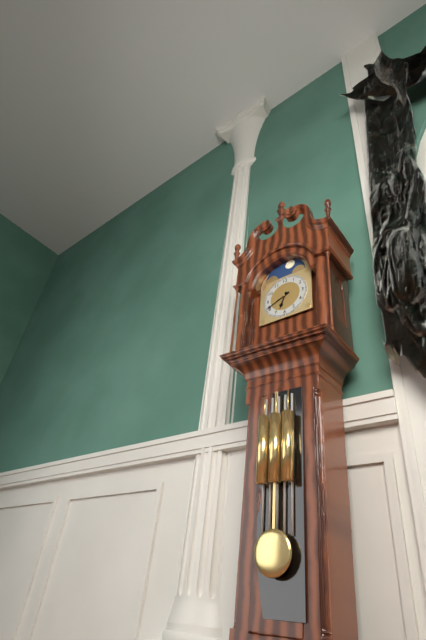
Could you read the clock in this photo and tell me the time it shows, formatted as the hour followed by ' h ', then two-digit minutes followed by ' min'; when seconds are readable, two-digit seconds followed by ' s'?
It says 6 h 41 min
